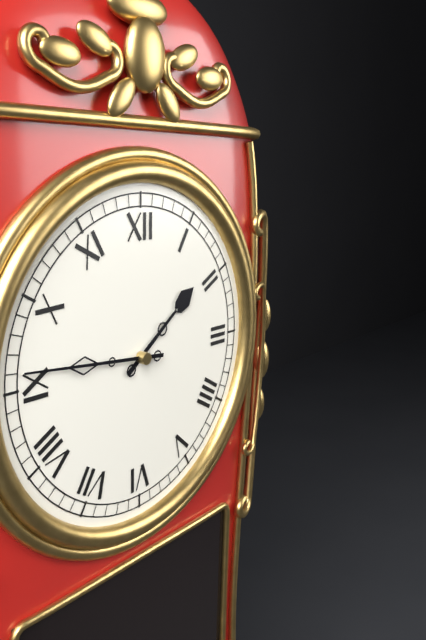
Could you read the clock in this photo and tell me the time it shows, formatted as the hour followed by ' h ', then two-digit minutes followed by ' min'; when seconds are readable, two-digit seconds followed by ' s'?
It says 1 h 46 min
